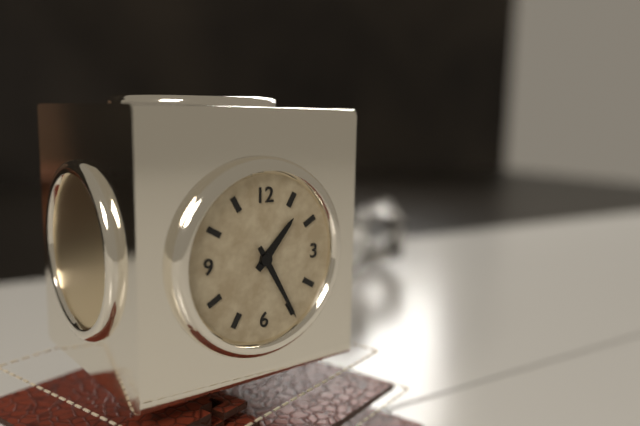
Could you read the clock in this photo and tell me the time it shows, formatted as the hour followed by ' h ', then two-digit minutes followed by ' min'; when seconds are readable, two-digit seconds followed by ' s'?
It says 1 h 25 min
